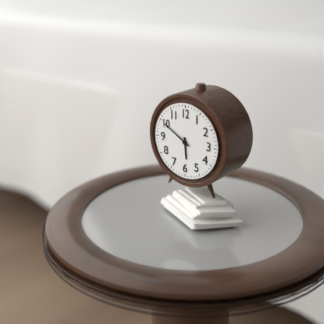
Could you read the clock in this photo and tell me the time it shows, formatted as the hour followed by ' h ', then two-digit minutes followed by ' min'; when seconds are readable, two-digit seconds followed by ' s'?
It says 5 h 50 min
